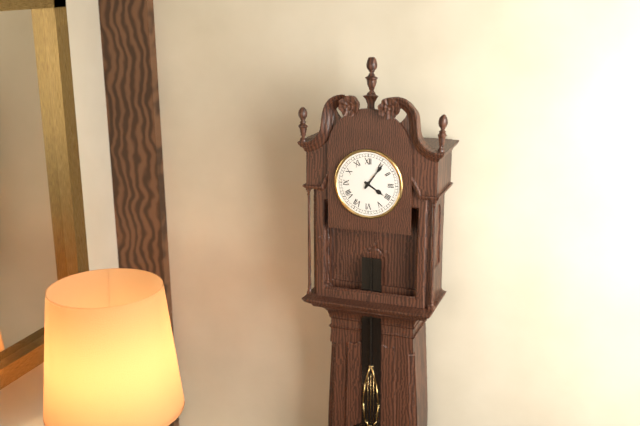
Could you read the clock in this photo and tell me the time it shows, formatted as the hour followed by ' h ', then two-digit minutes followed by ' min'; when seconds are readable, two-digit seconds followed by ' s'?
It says 4 h 06 min
